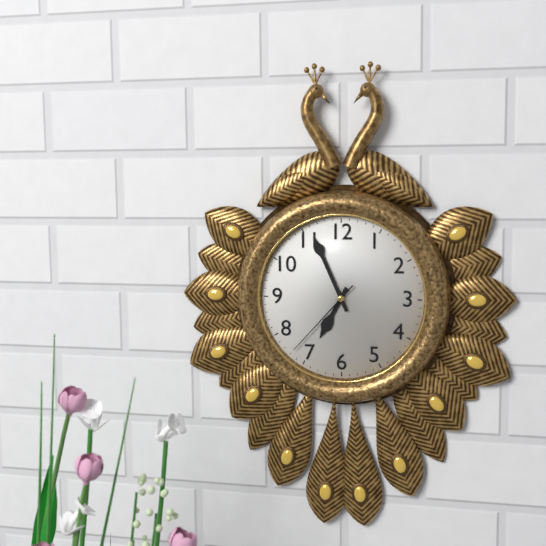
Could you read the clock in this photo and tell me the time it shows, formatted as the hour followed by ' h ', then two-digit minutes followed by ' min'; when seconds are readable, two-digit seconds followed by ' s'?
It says 6 h 56 min 37 s
